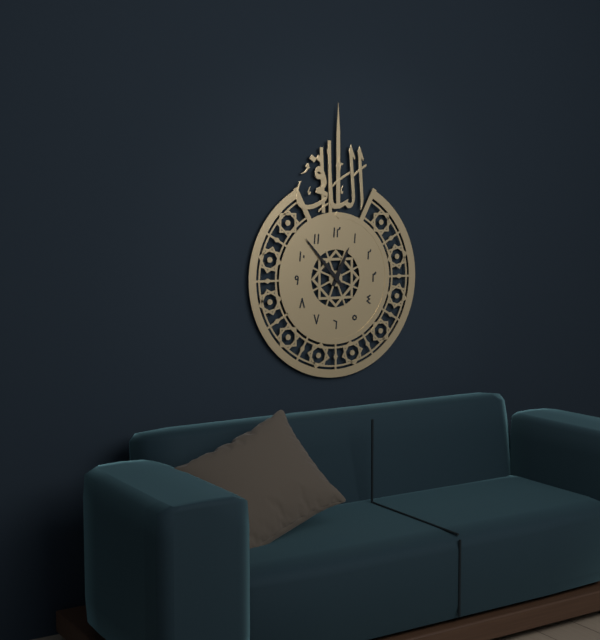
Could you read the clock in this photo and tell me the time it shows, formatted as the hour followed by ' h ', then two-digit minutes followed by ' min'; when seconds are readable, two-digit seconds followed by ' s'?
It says 12 h 53 min
